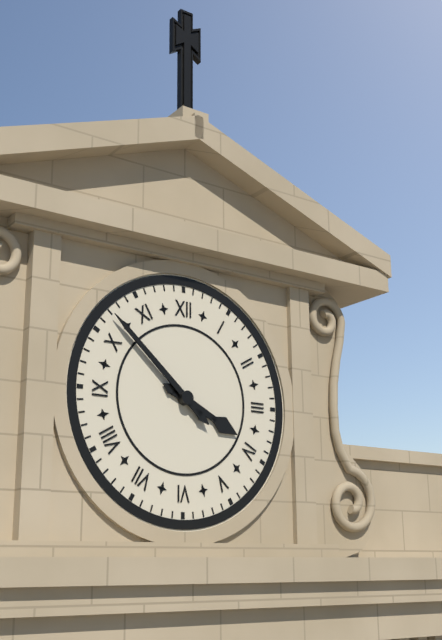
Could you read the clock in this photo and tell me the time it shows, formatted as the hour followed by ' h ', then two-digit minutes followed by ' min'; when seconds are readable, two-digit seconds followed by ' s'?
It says 3 h 52 min
